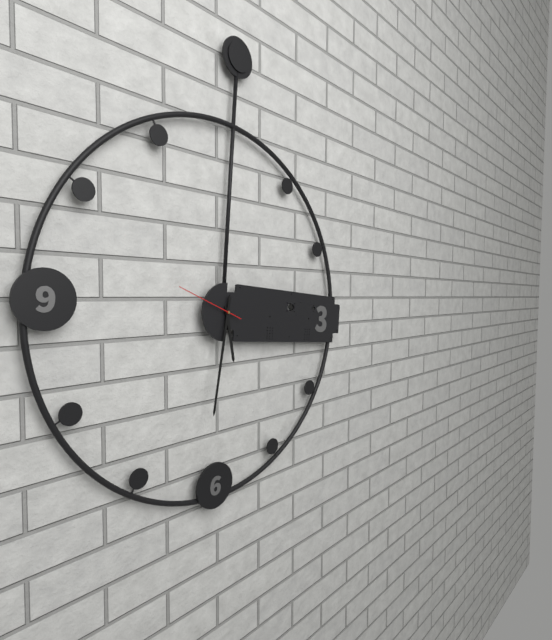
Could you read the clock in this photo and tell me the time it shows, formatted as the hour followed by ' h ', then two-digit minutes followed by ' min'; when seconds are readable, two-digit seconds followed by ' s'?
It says 5 h 31 min 48 s
